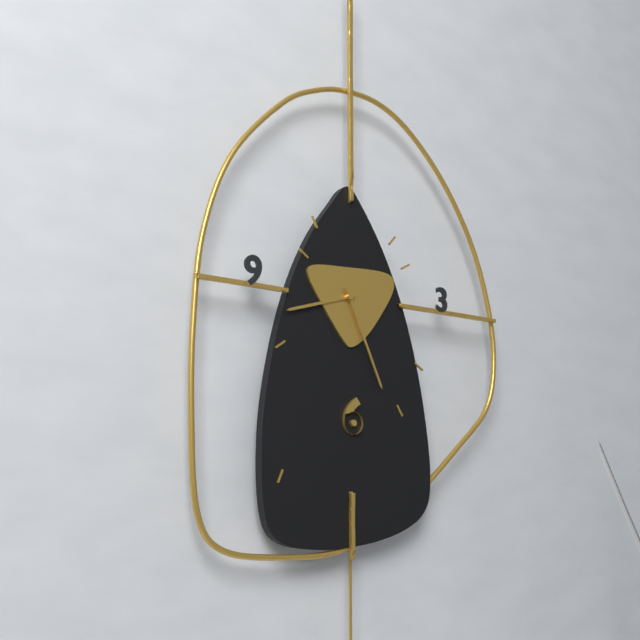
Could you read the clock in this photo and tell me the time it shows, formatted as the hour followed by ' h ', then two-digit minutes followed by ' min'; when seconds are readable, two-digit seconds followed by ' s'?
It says 8 h 26 min
